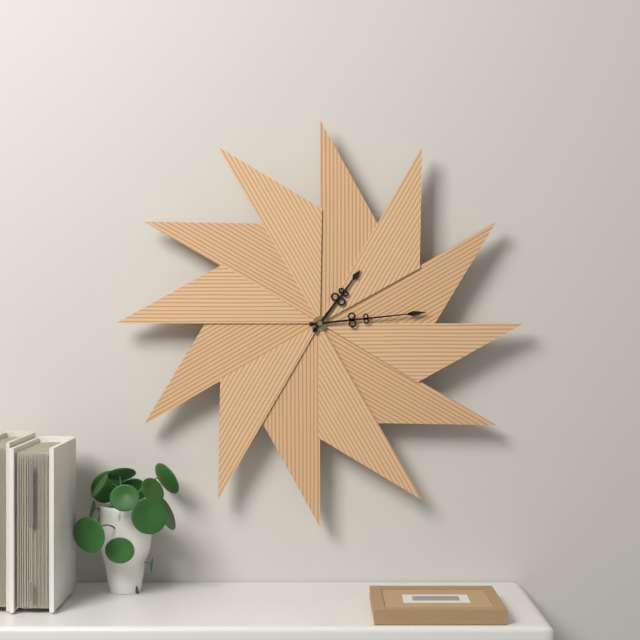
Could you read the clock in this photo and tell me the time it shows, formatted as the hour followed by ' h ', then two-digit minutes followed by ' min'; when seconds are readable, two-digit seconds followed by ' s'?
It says 1 h 14 min
